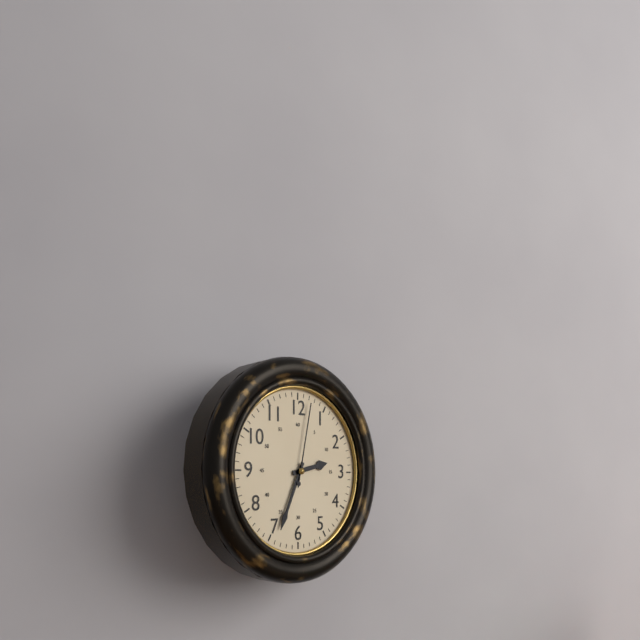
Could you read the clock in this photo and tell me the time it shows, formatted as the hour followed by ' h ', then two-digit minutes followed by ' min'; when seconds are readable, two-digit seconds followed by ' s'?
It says 2 h 34 min 02 s
